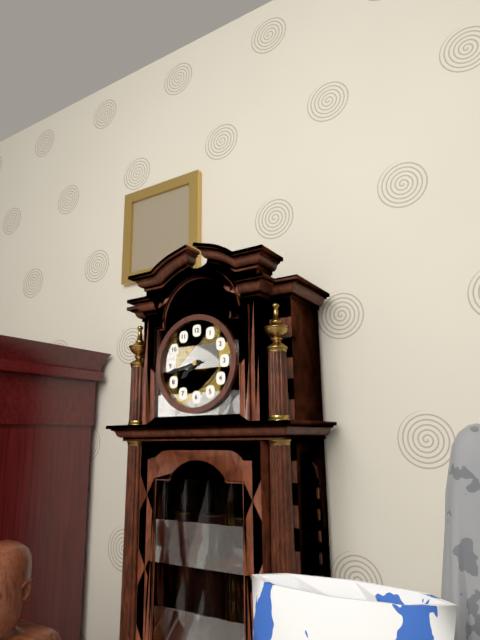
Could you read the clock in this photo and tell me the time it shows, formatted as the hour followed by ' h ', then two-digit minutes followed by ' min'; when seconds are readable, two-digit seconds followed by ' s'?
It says 7 h 43 min
